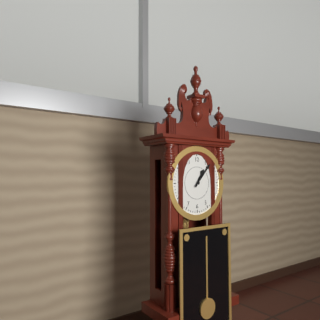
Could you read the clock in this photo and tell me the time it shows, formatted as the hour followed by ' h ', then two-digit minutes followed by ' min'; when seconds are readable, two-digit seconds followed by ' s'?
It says 1 h 07 min
